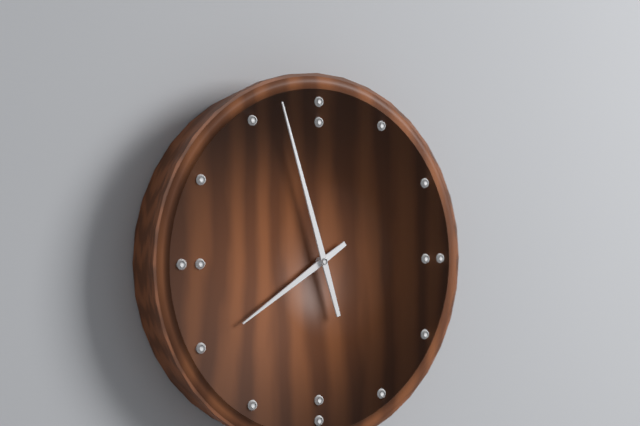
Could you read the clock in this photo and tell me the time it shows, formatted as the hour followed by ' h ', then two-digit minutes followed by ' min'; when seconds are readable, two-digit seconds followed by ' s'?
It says 7 h 57 min
